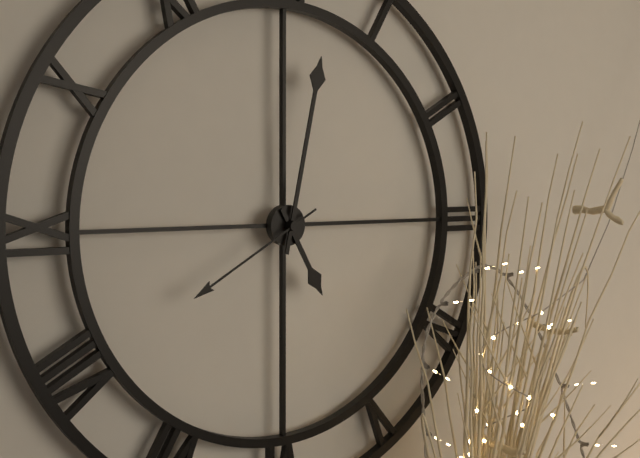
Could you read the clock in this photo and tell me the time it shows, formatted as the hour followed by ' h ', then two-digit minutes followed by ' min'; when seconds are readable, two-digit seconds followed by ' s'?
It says 5 h 02 min 40 s
